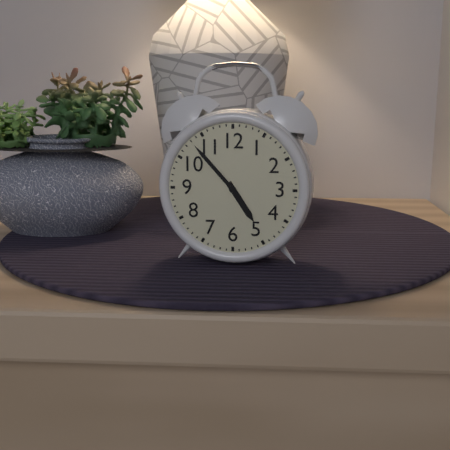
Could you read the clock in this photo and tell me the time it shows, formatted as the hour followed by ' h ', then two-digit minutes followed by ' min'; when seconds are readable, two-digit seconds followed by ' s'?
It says 4 h 53 min
